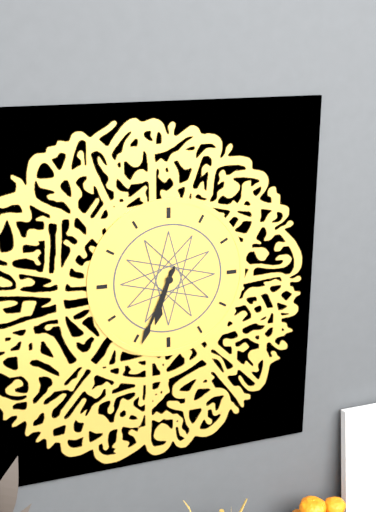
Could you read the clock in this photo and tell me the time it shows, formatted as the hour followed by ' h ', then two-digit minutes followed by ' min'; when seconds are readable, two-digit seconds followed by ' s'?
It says 6 h 34 min
